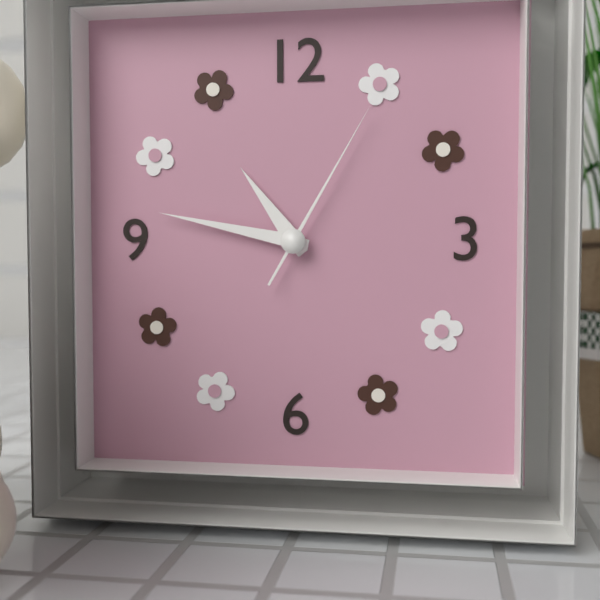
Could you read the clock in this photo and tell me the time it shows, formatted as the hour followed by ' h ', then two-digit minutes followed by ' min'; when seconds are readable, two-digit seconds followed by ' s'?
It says 10 h 47 min 05 s
